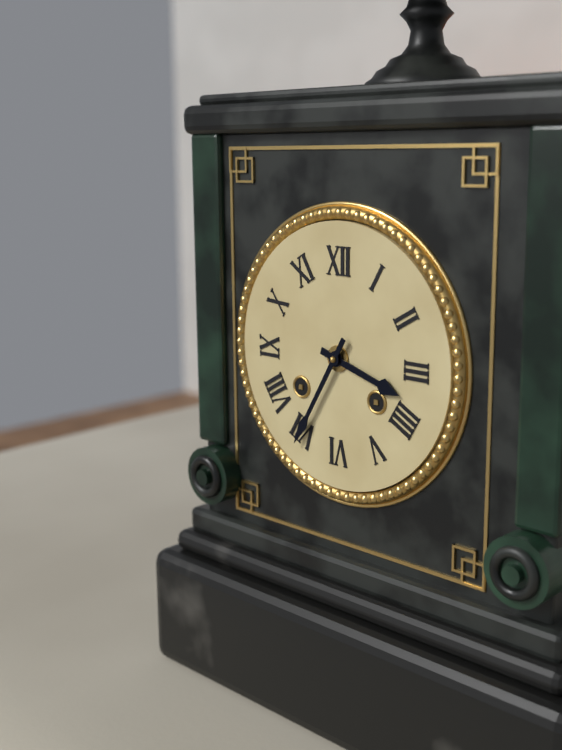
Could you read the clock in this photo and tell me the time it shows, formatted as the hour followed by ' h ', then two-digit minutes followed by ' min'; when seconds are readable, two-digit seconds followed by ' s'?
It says 3 h 35 min
